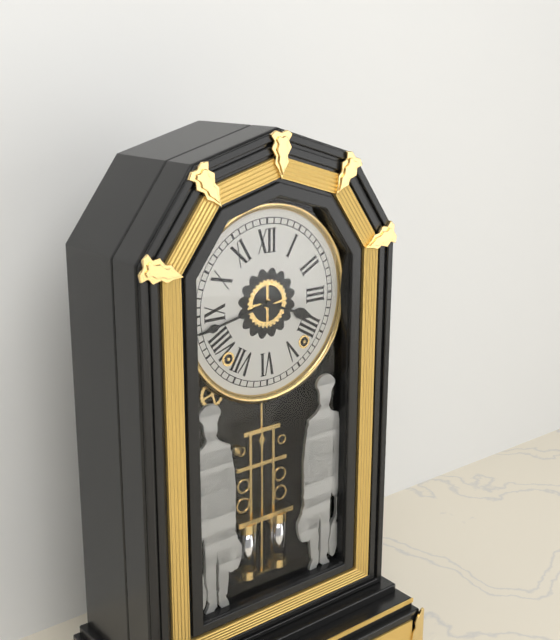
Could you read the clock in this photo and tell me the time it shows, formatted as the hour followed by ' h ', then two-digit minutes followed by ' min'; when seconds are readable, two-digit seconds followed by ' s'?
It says 3 h 43 min
